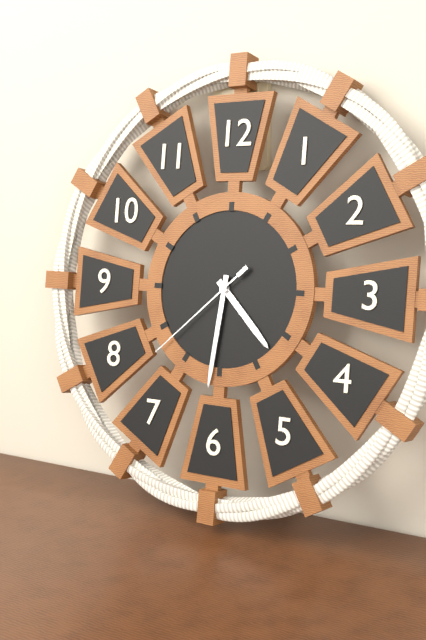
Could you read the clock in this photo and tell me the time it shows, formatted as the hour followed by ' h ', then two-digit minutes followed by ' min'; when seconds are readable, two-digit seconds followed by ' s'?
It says 4 h 31 min 38 s
